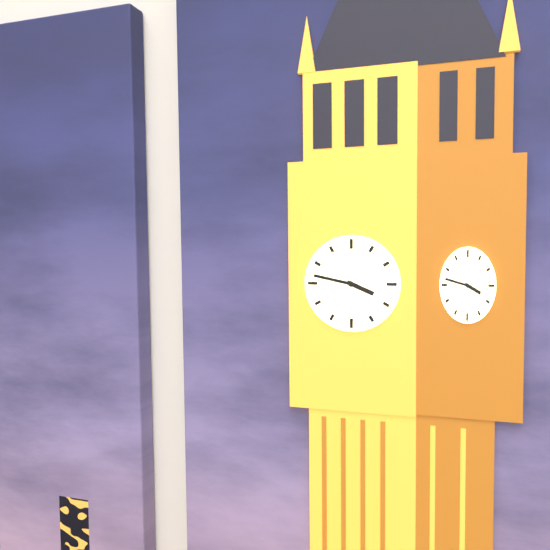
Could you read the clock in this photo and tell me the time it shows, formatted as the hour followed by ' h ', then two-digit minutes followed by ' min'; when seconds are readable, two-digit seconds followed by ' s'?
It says 3 h 47 min
